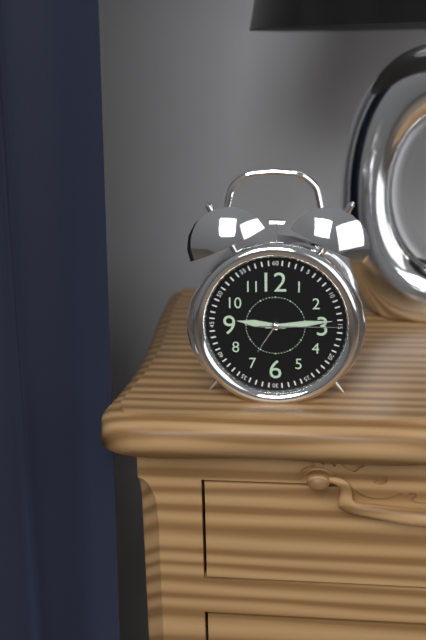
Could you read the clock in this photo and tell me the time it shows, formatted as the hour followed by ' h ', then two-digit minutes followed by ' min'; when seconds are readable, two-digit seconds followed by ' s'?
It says 9 h 14 min 15 s
